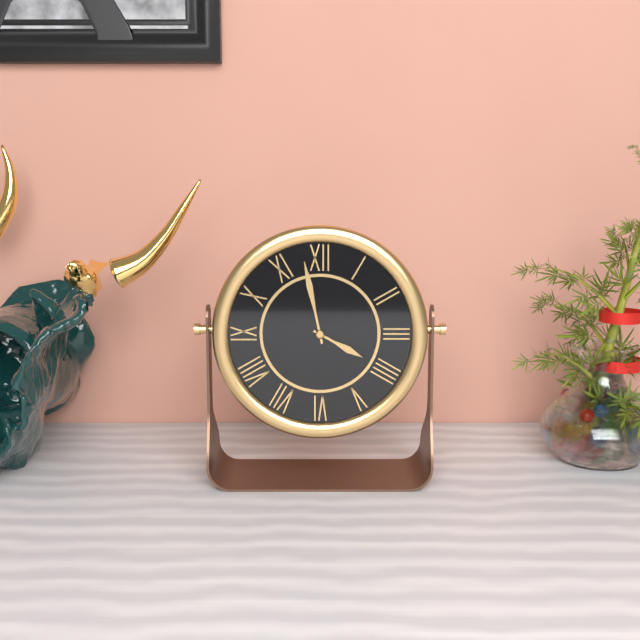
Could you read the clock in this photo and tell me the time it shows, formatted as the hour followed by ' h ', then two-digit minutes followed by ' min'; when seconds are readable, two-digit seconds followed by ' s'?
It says 3 h 58 min
